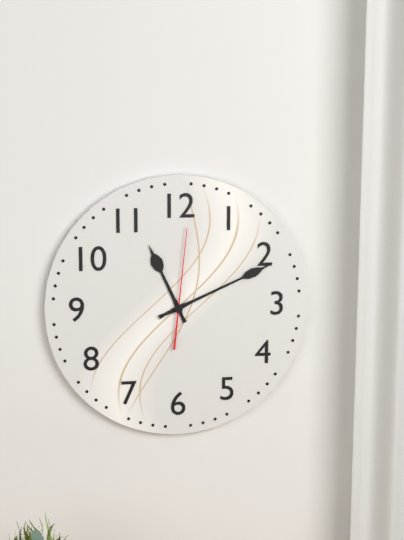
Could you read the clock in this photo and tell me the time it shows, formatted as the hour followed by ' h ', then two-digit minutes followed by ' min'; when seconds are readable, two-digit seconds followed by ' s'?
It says 11 h 11 min 01 s
